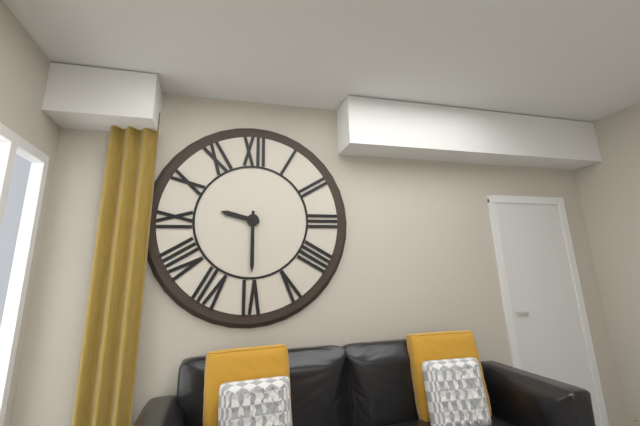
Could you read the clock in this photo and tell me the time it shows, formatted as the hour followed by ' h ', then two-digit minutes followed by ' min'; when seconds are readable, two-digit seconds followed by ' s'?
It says 9 h 30 min
